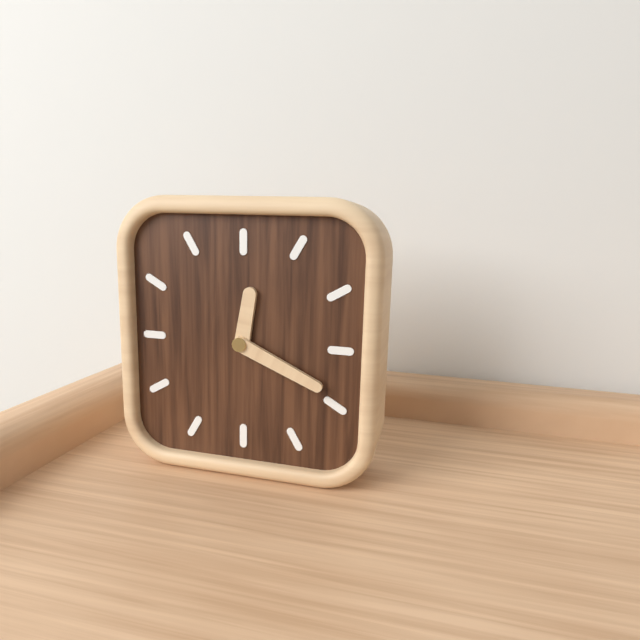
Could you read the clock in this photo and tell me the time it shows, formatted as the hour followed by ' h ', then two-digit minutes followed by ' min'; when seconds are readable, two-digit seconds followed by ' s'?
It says 12 h 19 min
